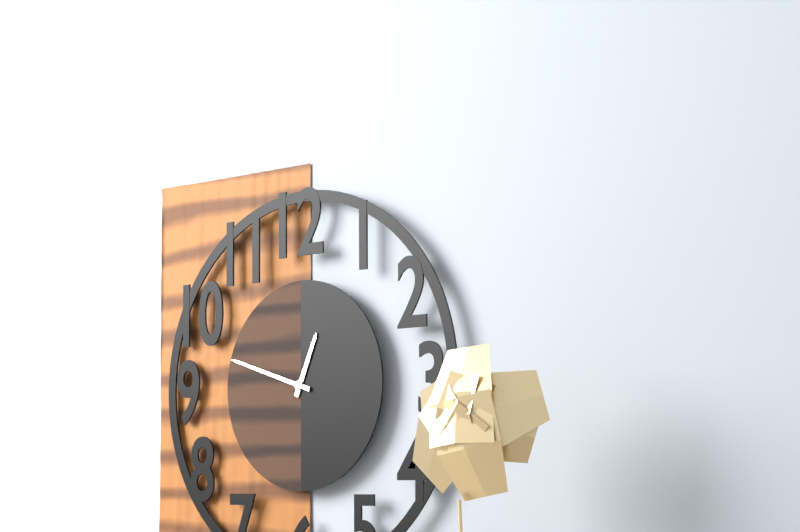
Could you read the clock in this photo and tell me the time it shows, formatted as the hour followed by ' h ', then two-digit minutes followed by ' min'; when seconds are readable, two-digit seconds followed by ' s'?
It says 12 h 48 min
